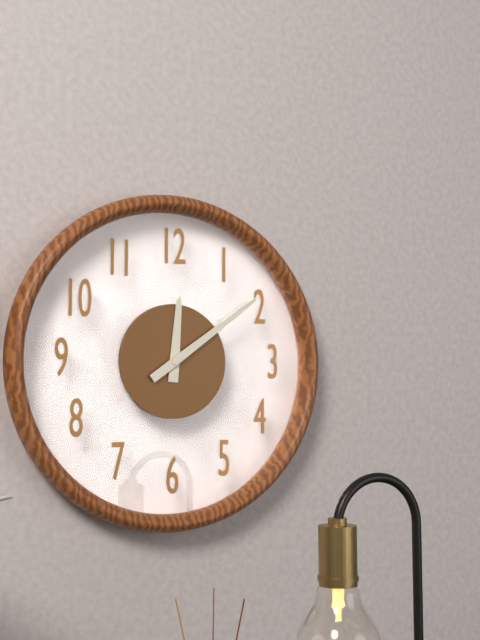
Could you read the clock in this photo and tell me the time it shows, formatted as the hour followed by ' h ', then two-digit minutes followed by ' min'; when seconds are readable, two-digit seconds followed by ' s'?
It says 12 h 09 min
